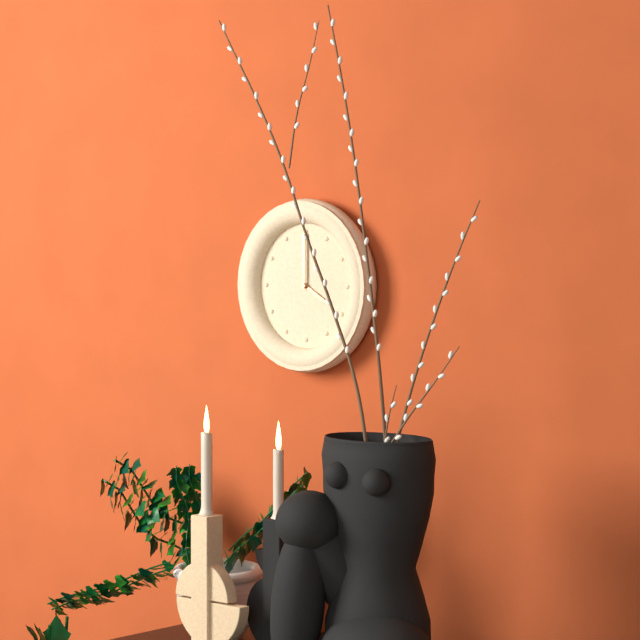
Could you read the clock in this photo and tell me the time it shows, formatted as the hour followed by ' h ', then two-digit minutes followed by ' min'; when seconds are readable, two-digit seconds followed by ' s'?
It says 4 h 00 min
